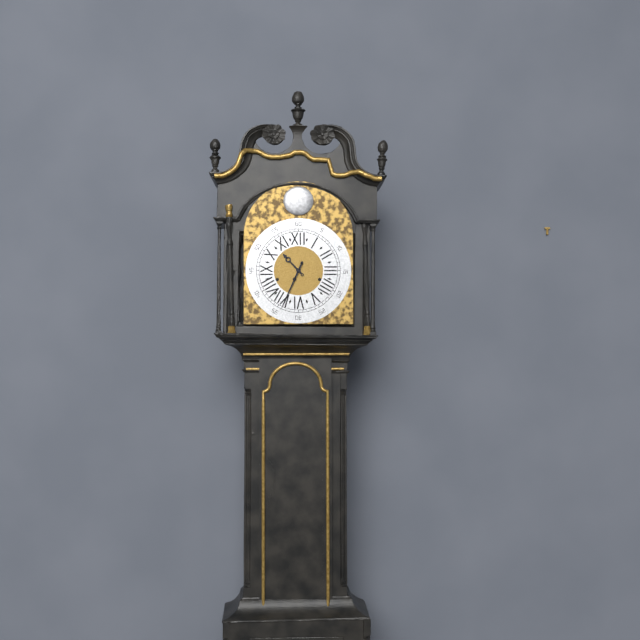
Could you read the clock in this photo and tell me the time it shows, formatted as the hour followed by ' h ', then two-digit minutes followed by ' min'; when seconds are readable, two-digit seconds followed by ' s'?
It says 10 h 34 min
